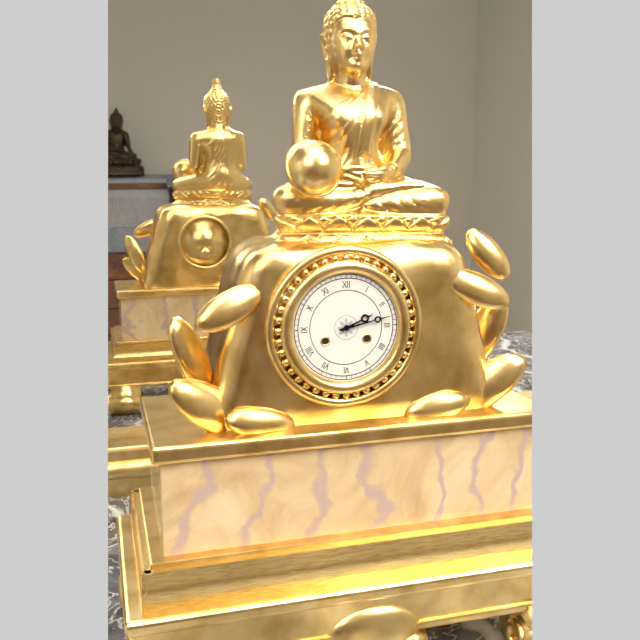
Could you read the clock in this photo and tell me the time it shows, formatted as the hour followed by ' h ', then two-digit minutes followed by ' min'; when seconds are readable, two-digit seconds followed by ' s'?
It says 2 h 13 min
